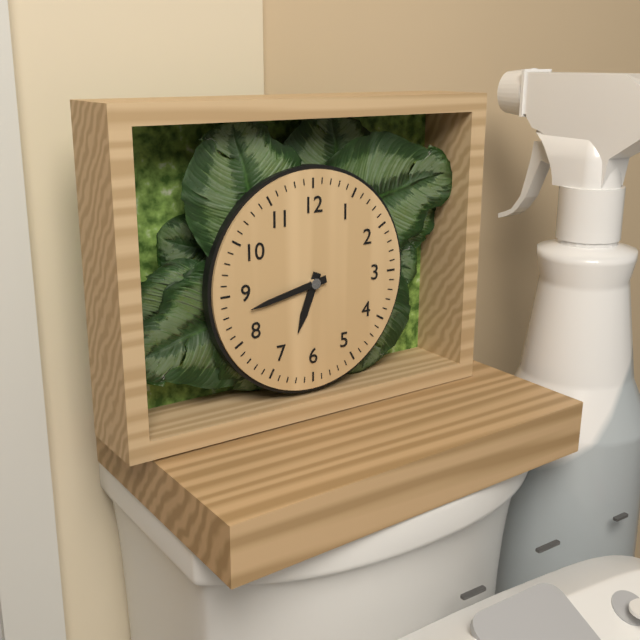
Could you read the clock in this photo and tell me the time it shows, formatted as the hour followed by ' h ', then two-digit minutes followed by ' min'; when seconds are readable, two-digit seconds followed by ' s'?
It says 6 h 43 min
